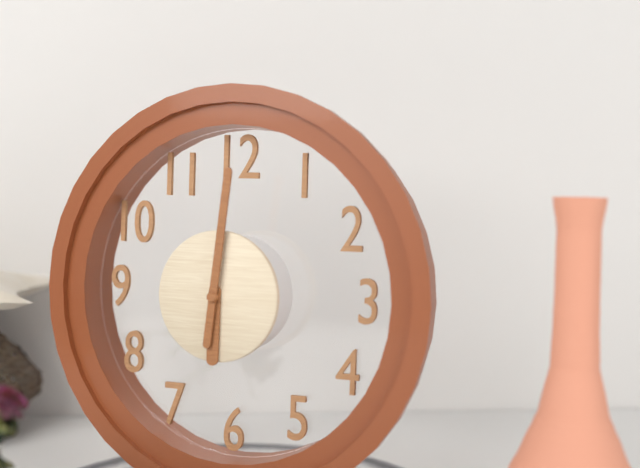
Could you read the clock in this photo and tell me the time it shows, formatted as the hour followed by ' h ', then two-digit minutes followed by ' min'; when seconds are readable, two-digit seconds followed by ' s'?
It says 6 h 01 min
